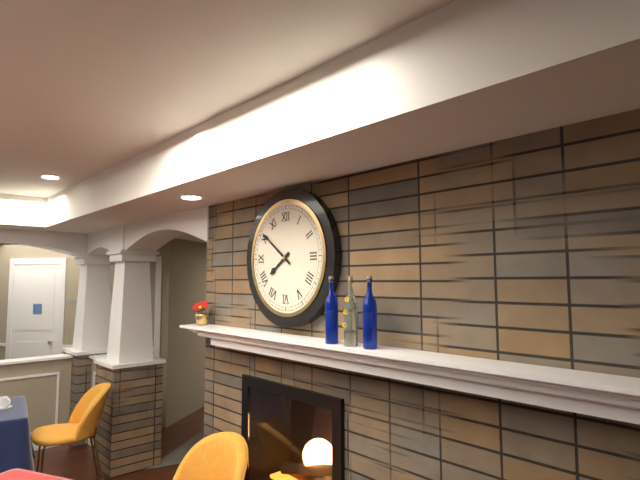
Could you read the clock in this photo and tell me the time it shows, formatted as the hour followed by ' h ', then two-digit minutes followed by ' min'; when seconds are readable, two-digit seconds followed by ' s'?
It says 7 h 51 min
